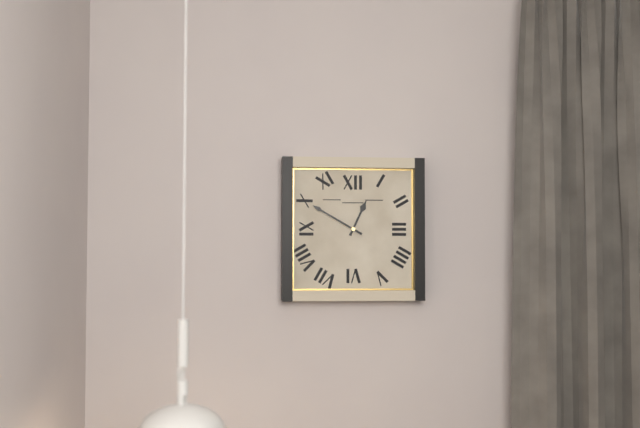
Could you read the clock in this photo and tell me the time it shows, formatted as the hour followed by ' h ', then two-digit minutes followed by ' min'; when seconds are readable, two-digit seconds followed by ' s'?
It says 12 h 50 min
